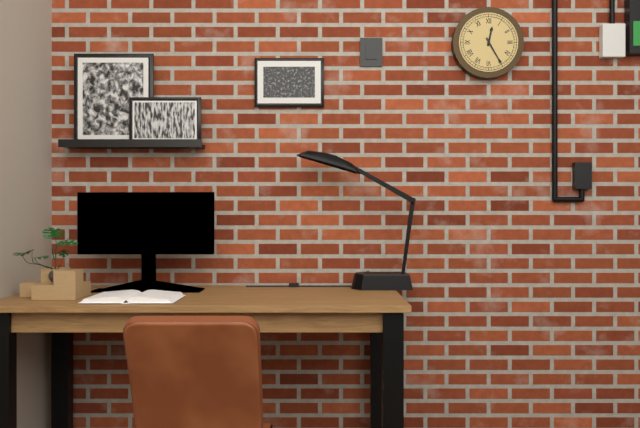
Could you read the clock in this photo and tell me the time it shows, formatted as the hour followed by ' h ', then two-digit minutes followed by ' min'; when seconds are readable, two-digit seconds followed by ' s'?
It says 12 h 25 min
